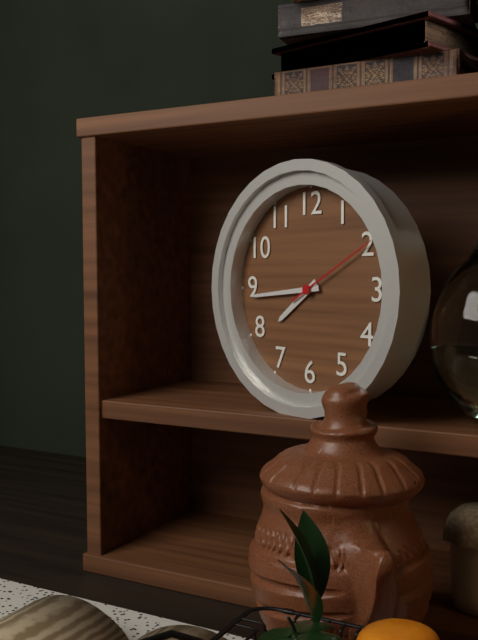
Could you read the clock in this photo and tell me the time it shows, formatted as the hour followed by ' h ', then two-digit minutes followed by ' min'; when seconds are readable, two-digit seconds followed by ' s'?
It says 7 h 44 min 10 s
